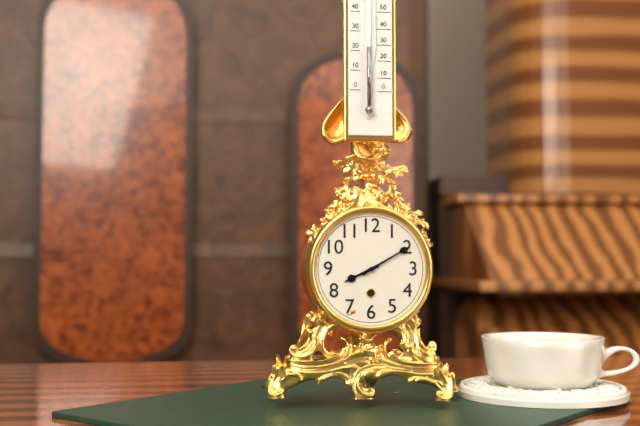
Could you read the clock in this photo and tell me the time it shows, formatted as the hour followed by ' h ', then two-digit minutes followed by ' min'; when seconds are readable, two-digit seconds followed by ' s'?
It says 8 h 10 min
